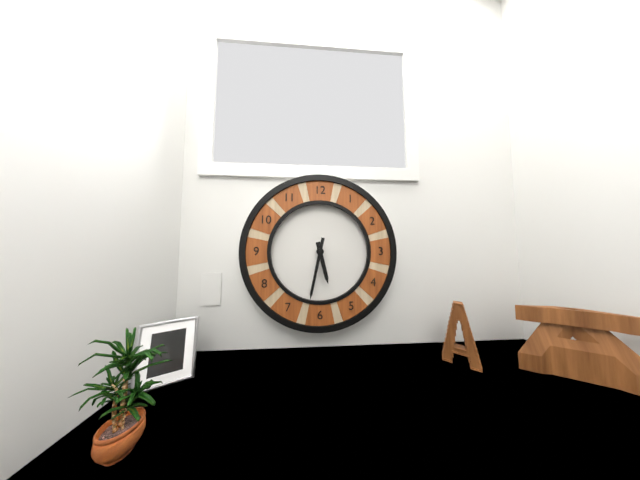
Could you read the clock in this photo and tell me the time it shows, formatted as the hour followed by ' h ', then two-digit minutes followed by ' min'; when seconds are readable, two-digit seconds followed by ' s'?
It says 5 h 32 min
